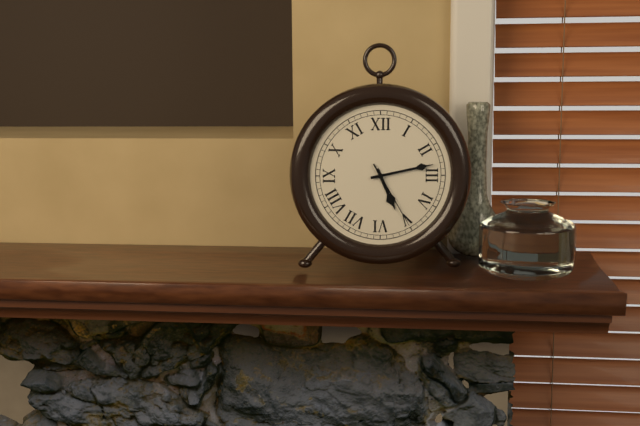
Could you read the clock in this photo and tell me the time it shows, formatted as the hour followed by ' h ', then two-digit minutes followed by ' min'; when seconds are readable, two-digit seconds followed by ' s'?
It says 5 h 13 min 25 s
